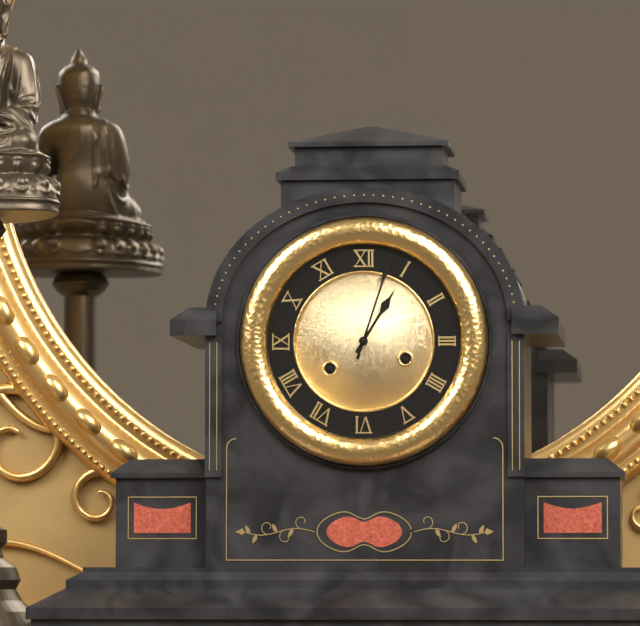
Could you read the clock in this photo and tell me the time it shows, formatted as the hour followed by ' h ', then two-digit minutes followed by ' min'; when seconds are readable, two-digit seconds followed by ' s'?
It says 1 h 03 min
